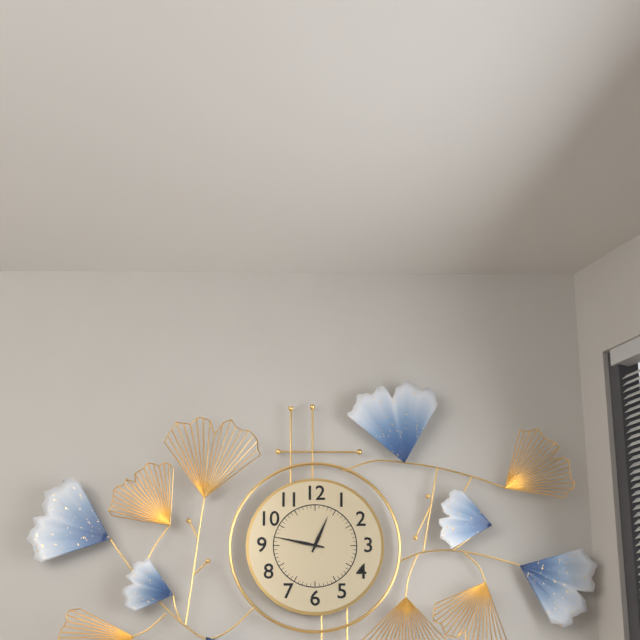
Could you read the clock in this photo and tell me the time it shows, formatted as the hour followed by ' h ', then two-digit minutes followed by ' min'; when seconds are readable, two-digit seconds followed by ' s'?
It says 12 h 47 min
